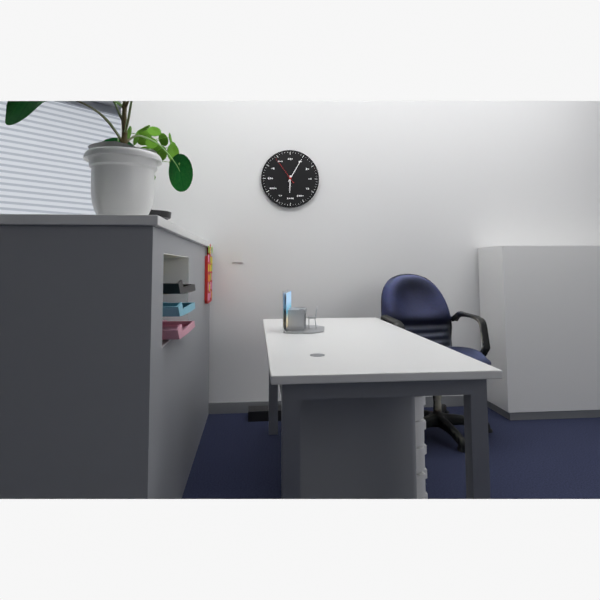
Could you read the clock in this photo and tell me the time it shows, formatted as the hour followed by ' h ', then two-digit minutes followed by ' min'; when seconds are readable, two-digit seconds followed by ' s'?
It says 6 h 05 min
